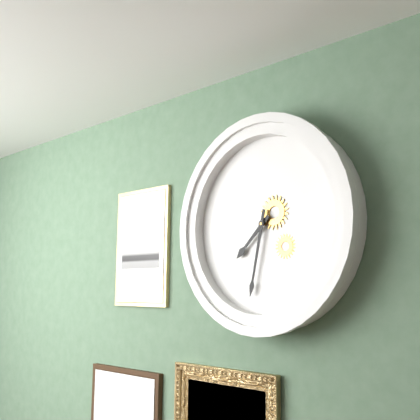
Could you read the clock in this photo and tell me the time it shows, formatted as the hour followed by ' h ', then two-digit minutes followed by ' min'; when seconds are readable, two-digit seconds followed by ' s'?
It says 7 h 32 min
